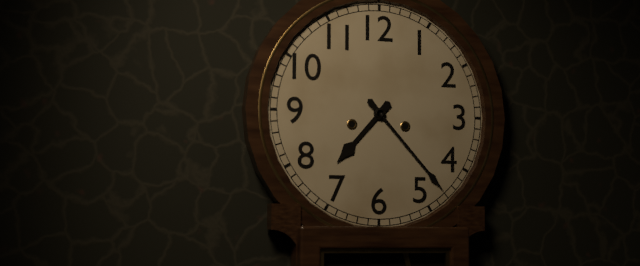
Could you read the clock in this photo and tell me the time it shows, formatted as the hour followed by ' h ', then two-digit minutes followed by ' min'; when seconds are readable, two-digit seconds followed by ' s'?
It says 7 h 23 min
